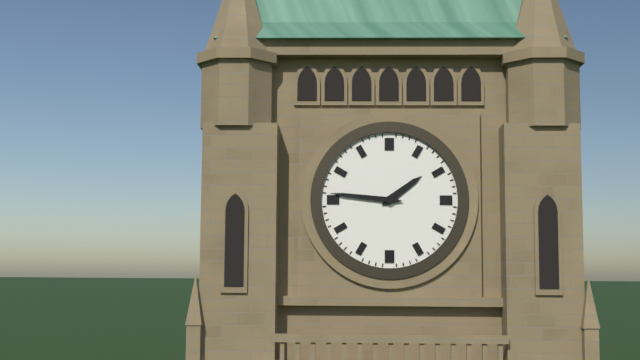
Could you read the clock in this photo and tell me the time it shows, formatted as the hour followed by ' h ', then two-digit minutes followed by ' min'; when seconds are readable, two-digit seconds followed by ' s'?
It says 1 h 46 min
